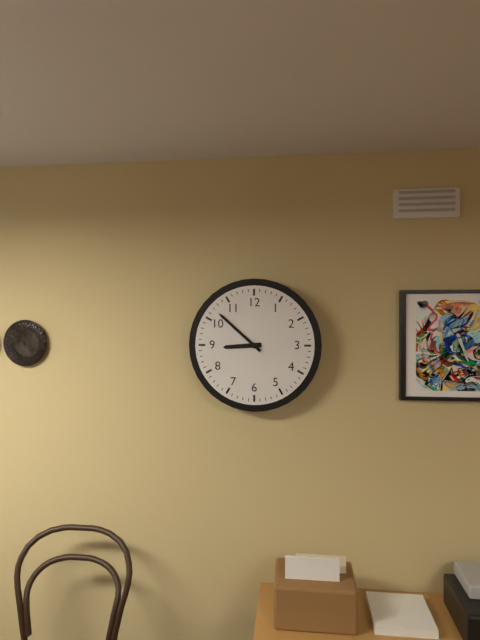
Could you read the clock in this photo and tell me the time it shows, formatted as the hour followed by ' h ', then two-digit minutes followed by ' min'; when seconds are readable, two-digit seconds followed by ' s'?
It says 8 h 52 min
